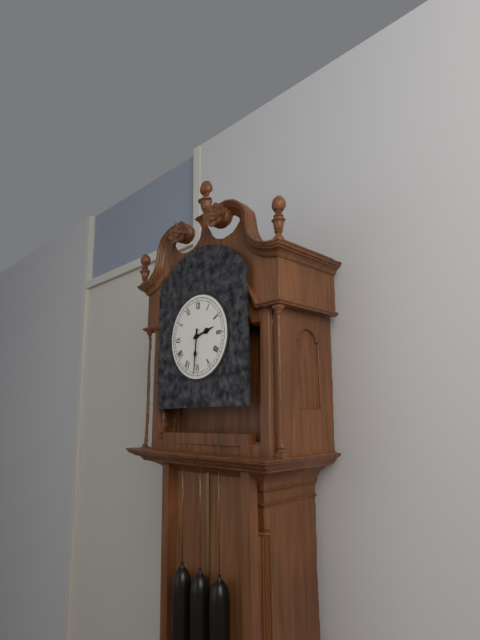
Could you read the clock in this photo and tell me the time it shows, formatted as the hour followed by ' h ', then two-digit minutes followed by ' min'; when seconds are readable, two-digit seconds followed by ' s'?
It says 2 h 31 min
